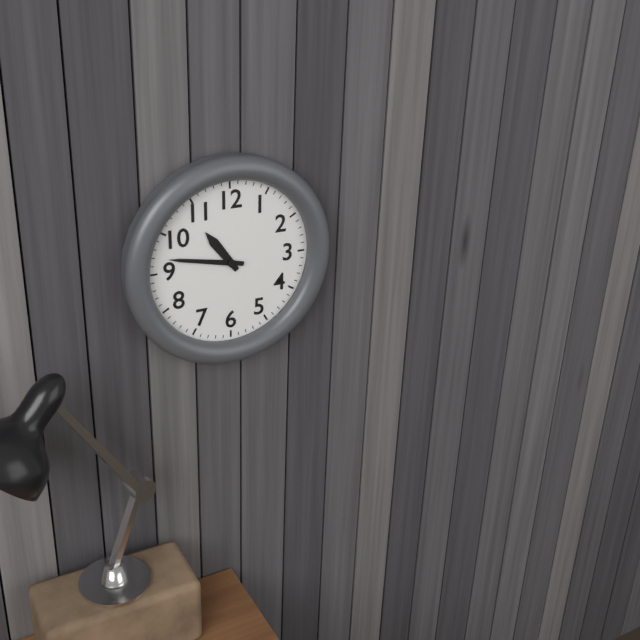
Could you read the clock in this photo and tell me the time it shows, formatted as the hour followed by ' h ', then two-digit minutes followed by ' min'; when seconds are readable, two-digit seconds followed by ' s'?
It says 10 h 47 min
